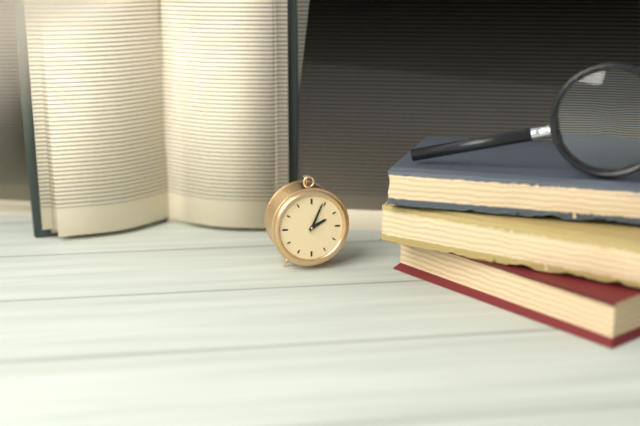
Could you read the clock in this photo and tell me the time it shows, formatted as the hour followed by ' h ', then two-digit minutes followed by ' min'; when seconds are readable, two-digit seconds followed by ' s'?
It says 2 h 04 min
